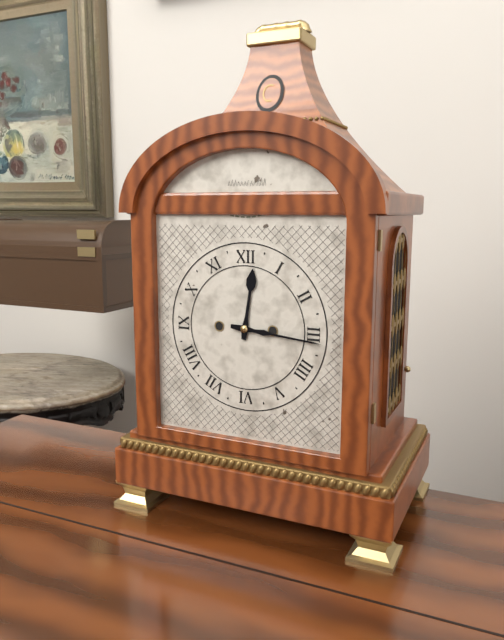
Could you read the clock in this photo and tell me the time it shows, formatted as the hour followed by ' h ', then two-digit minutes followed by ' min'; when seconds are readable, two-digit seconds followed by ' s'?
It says 12 h 16 min
